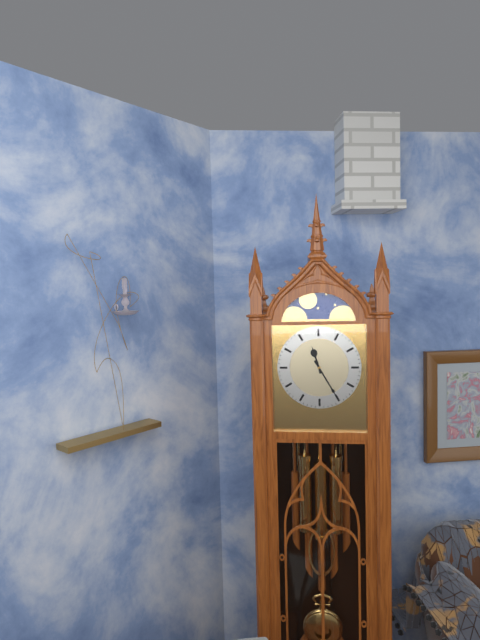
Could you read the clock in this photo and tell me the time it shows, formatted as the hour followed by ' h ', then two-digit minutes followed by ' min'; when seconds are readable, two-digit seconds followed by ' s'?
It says 11 h 25 min
